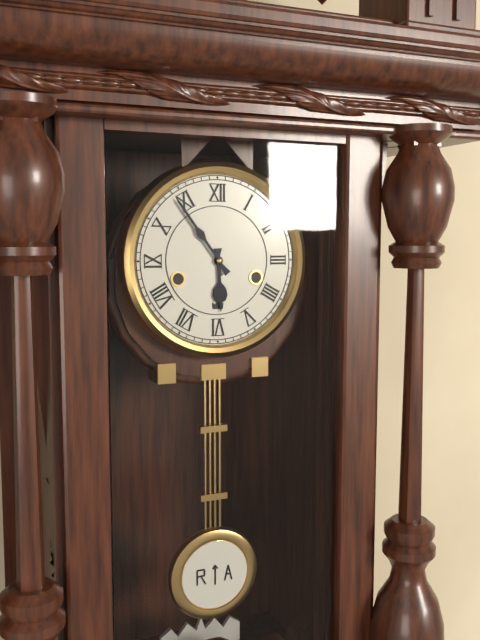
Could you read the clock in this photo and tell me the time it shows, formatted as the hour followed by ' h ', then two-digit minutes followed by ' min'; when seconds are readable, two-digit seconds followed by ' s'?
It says 5 h 54 min
